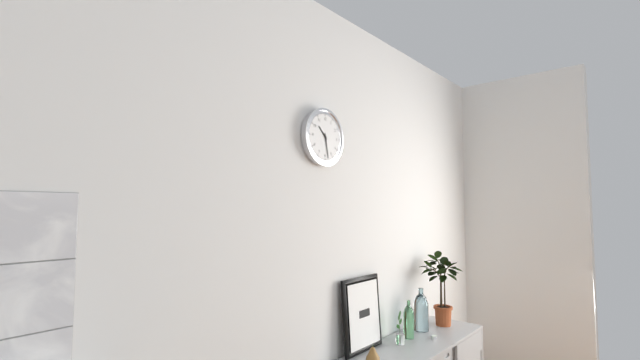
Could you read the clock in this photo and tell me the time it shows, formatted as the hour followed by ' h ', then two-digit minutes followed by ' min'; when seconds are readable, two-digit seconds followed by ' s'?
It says 10 h 28 min
